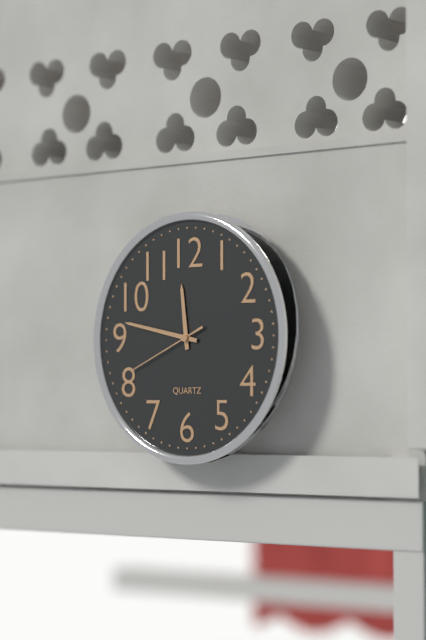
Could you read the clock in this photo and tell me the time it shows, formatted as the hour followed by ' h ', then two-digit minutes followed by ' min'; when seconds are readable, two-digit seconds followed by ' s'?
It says 11 h 47 min 41 s
